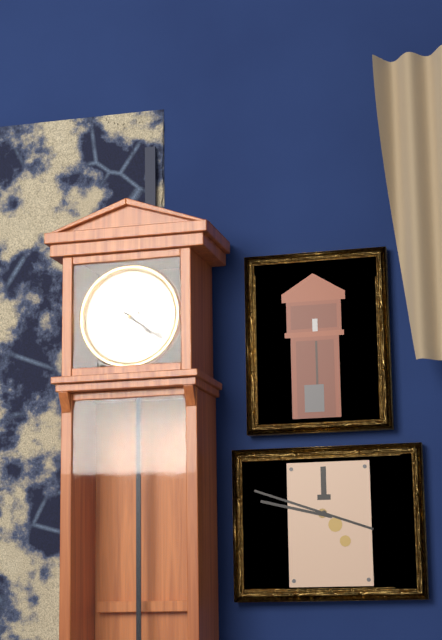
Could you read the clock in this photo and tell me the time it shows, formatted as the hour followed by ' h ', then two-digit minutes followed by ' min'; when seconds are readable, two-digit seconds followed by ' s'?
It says 4 h 21 min
